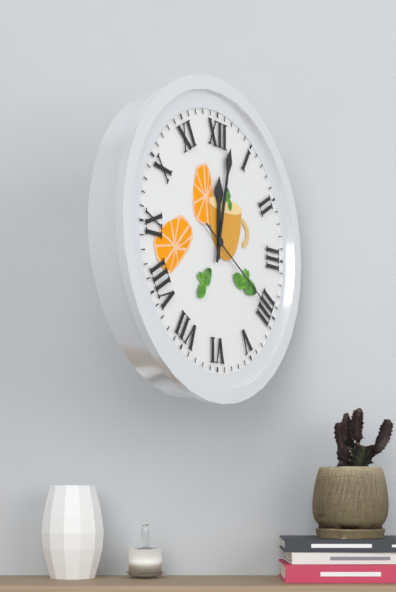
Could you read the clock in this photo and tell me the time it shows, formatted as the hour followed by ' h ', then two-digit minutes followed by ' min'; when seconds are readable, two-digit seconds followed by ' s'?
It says 12 h 02 min 20 s
